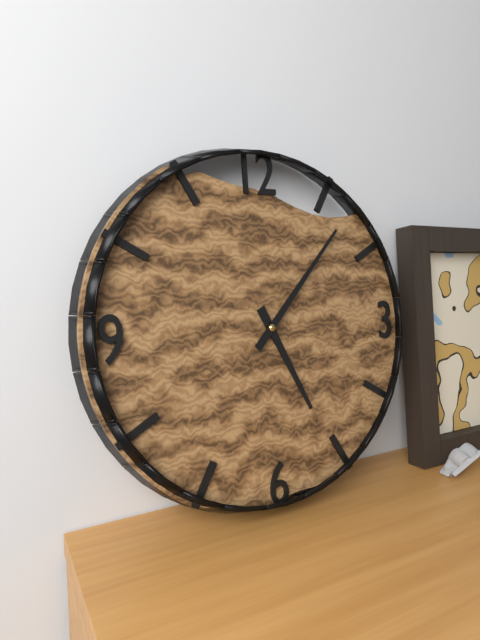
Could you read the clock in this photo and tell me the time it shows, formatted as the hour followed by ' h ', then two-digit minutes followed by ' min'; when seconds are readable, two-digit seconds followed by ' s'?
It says 5 h 07 min
